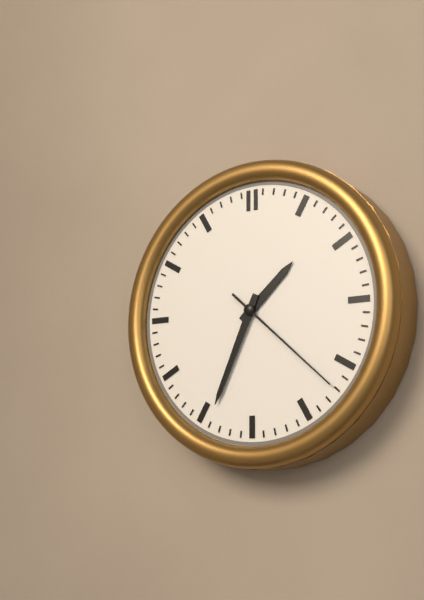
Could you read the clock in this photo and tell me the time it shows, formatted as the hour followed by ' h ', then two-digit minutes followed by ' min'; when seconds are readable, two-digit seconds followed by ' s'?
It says 1 h 34 min 22 s
